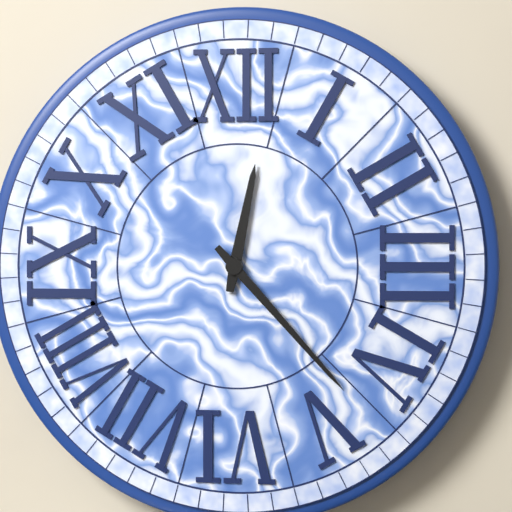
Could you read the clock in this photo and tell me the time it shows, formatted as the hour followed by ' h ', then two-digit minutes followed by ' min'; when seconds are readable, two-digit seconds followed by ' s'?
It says 12 h 23 min
